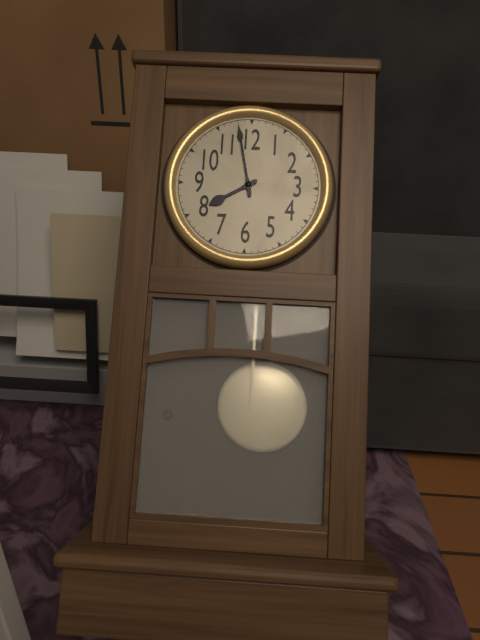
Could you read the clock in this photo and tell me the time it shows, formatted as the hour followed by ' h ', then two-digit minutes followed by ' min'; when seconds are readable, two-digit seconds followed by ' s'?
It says 7 h 58 min
